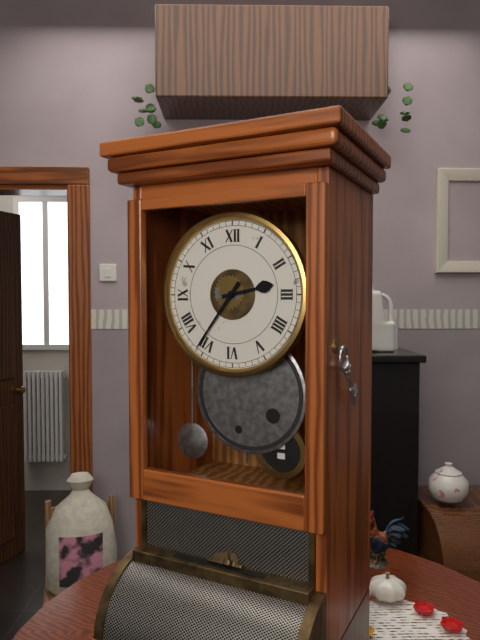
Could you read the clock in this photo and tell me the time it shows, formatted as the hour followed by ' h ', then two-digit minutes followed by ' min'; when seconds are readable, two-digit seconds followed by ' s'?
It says 2 h 36 min
